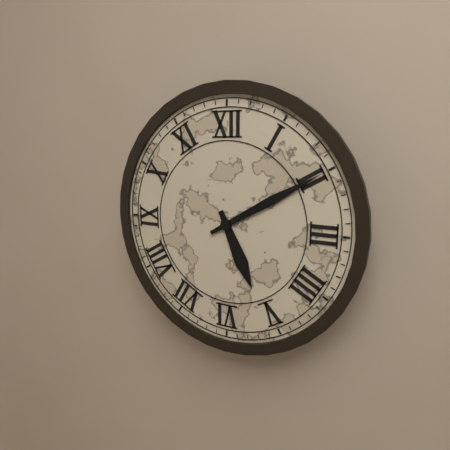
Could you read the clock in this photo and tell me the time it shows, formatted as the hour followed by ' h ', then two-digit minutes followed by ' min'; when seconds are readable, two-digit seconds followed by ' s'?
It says 5 h 10 min
